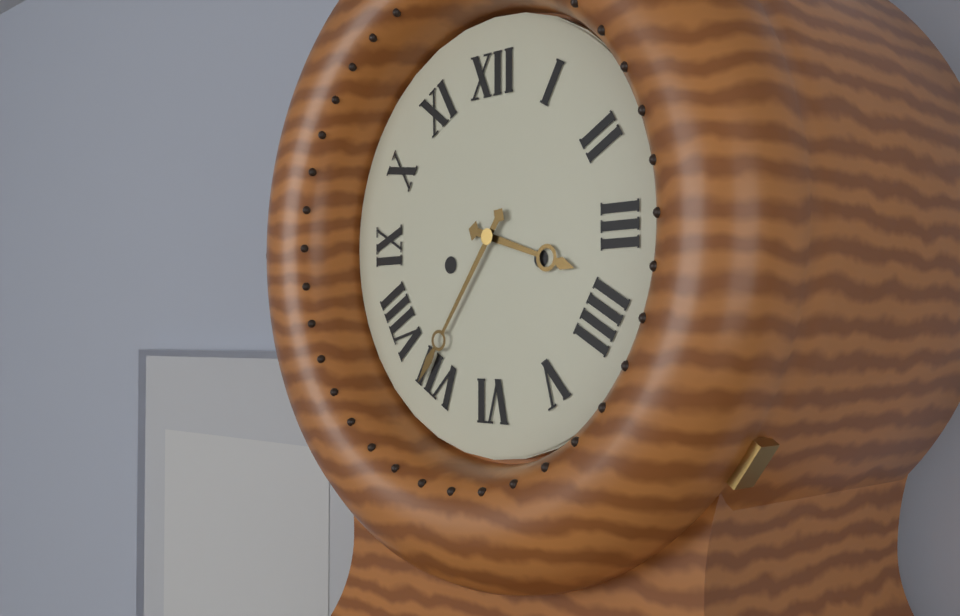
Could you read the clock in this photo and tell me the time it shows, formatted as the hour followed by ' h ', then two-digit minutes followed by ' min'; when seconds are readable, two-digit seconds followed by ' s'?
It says 3 h 36 min
